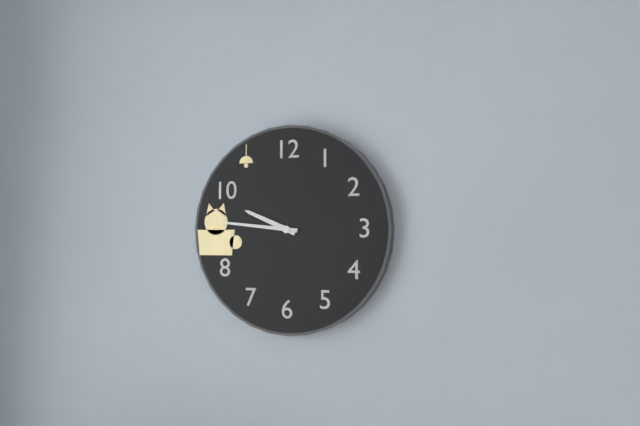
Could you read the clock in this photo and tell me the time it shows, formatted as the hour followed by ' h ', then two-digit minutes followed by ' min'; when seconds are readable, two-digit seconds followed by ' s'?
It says 9 h 46 min
